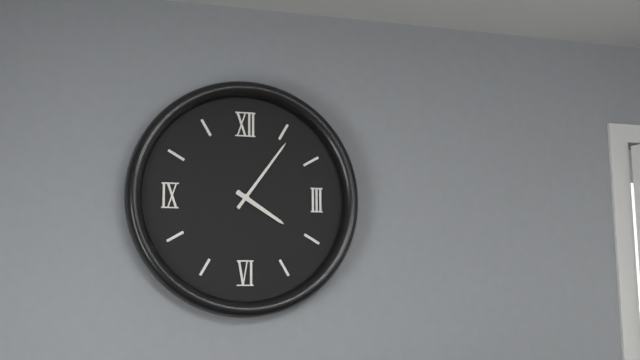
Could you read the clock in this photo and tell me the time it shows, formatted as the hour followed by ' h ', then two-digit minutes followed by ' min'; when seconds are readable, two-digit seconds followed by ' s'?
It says 4 h 06 min
